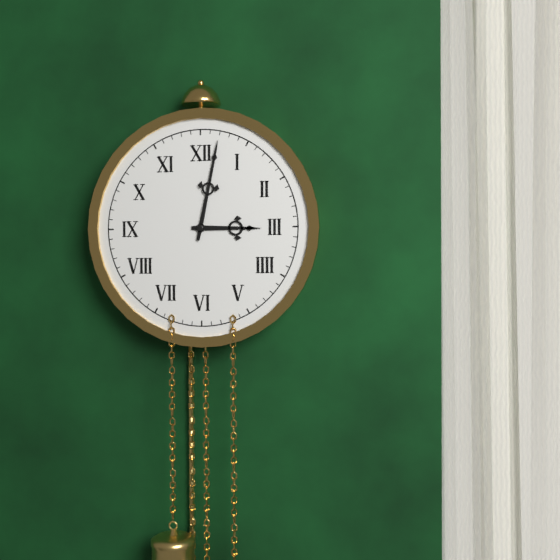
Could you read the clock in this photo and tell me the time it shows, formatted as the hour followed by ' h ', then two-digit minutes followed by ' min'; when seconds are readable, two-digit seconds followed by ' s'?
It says 3 h 02 min
